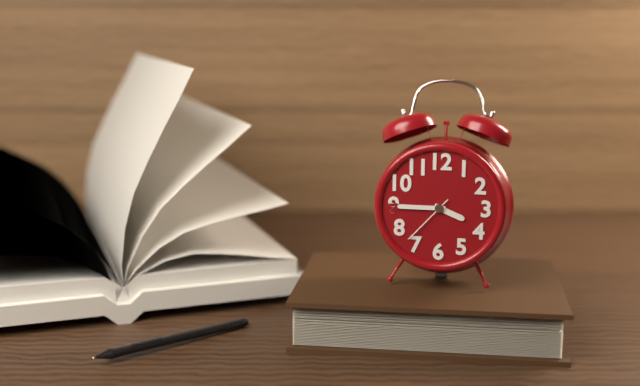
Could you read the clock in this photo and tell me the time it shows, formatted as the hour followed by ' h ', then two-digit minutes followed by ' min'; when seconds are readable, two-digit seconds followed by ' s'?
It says 3 h 45 min 37 s
